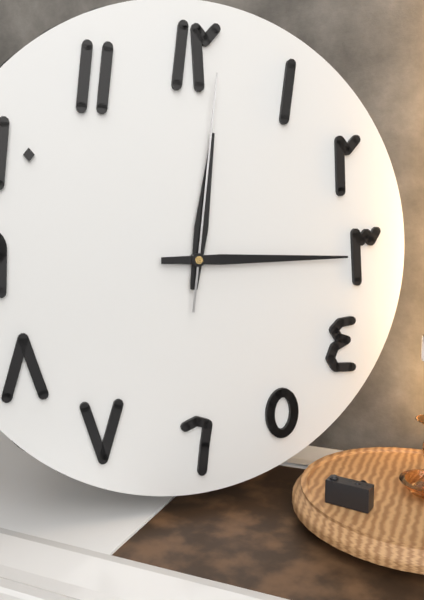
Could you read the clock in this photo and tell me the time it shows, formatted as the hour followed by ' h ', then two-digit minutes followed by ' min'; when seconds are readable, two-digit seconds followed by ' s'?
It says 12 h 15 min 01 s
